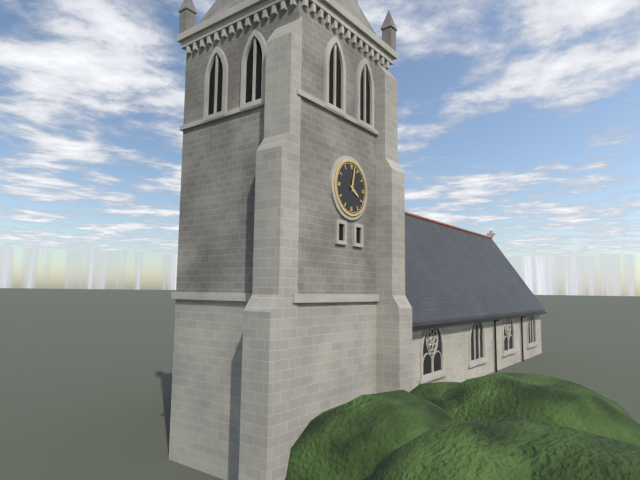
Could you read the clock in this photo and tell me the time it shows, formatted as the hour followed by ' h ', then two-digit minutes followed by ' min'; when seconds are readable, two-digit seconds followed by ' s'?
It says 4 h 02 min
